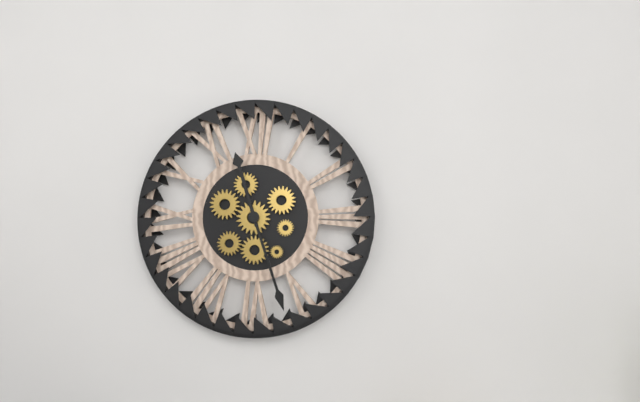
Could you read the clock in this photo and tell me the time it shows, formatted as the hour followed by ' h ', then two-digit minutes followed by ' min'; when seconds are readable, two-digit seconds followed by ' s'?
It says 11 h 27 min
